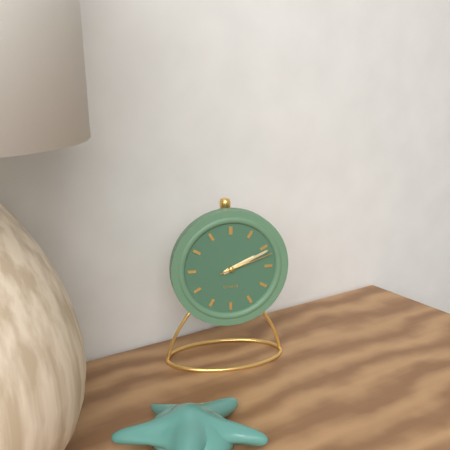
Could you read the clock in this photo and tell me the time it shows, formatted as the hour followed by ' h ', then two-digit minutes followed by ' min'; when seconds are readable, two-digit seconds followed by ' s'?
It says 2 h 11 min 12 s
